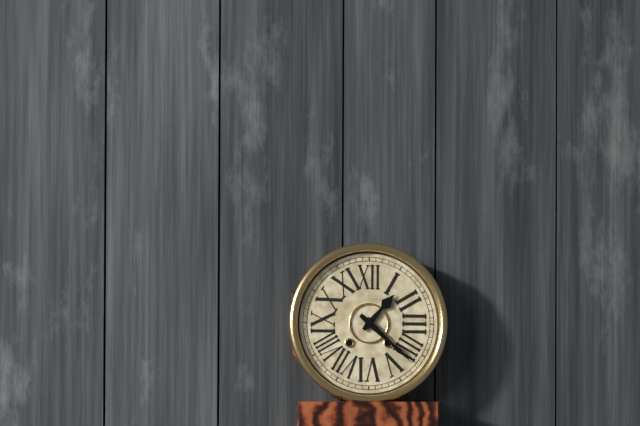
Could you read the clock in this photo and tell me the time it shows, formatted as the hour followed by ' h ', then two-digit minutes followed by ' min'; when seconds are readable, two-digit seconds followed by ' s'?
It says 1 h 22 min
